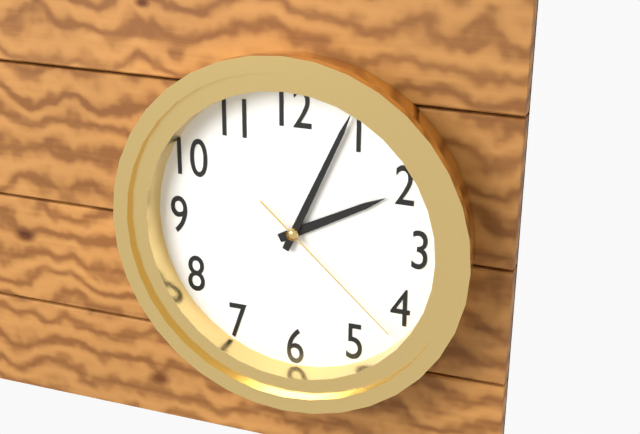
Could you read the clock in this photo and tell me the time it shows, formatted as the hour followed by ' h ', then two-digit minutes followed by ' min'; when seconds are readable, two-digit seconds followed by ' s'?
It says 2 h 04 min 22 s
